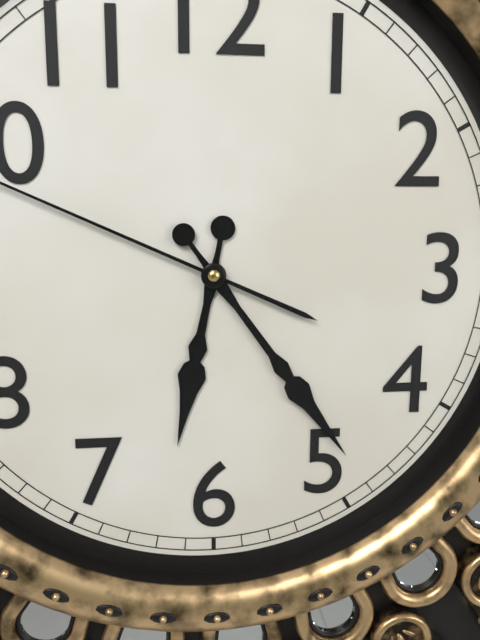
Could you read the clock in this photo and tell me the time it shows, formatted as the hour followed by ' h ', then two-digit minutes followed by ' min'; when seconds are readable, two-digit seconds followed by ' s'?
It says 6 h 24 min
